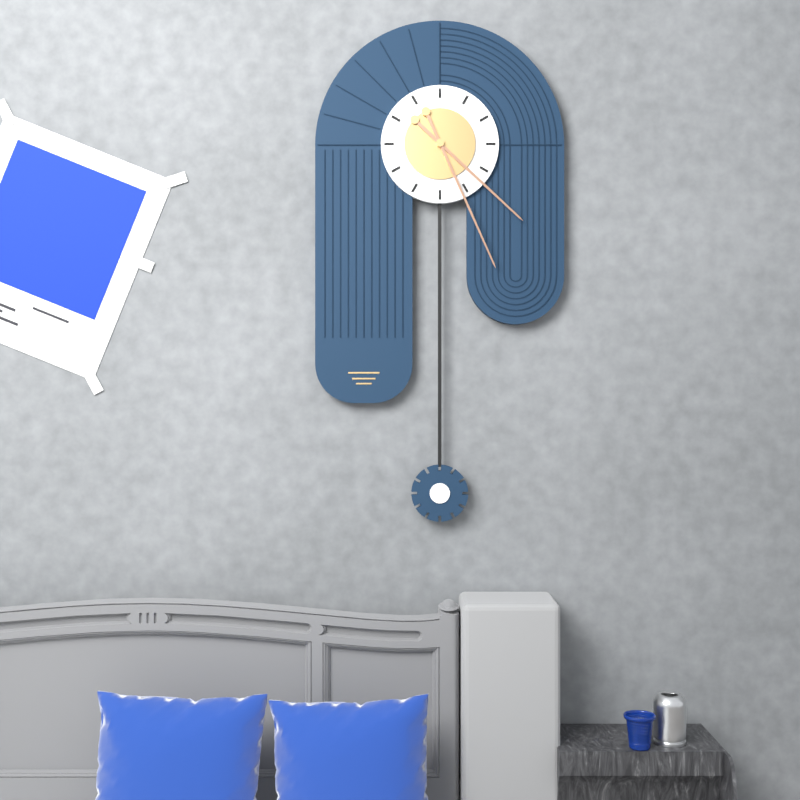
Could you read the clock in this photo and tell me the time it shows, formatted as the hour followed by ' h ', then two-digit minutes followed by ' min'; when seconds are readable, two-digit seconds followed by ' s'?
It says 4 h 26 min
